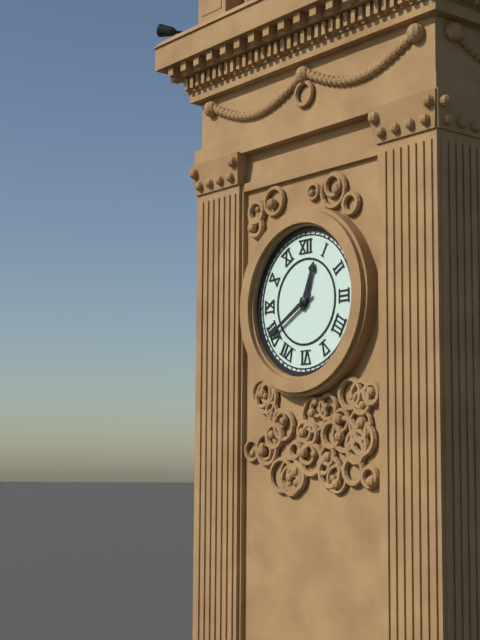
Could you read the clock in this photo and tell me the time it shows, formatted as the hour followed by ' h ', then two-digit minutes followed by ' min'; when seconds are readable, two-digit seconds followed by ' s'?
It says 12 h 40 min
